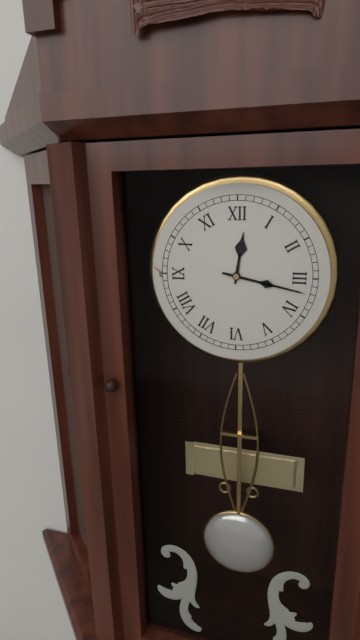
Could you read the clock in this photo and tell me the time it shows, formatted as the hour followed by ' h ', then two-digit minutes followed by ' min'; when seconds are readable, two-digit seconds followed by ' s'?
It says 12 h 17 min
